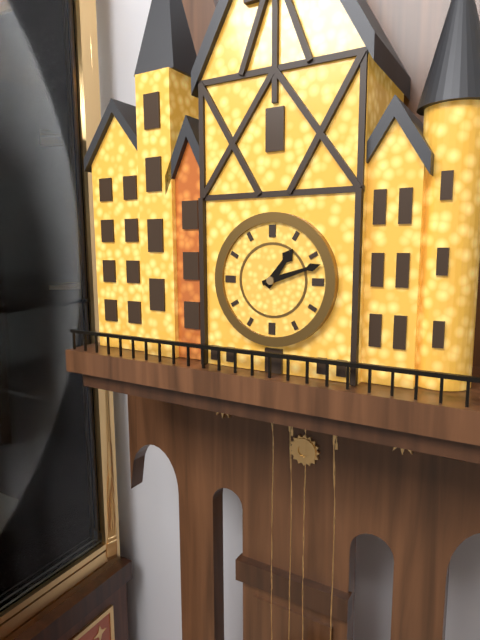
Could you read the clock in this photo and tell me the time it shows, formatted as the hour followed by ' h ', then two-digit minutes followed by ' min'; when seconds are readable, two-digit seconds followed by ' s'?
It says 1 h 12 min
